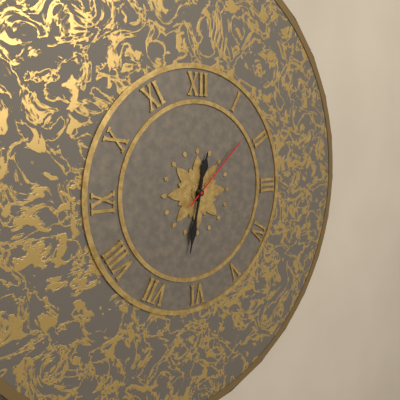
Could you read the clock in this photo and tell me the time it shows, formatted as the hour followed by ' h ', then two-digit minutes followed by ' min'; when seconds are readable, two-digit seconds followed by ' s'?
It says 12 h 32 min 08 s
